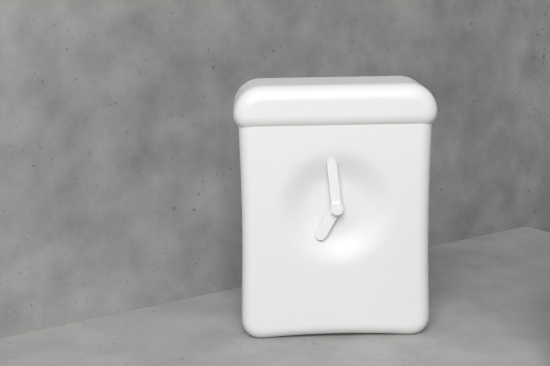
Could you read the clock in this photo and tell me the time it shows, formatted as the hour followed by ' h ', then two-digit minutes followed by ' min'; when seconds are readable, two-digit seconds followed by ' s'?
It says 6 h 59 min
